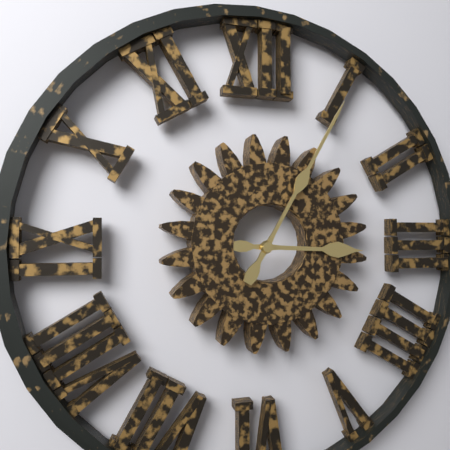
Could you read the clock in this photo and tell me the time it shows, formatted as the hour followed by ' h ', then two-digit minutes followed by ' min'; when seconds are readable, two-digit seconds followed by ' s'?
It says 3 h 05 min
